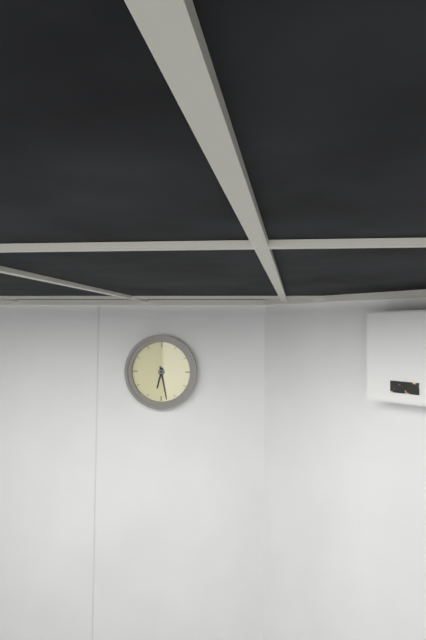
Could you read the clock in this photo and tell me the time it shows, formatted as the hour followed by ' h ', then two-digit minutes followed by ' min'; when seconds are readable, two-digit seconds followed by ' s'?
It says 6 h 28 min
